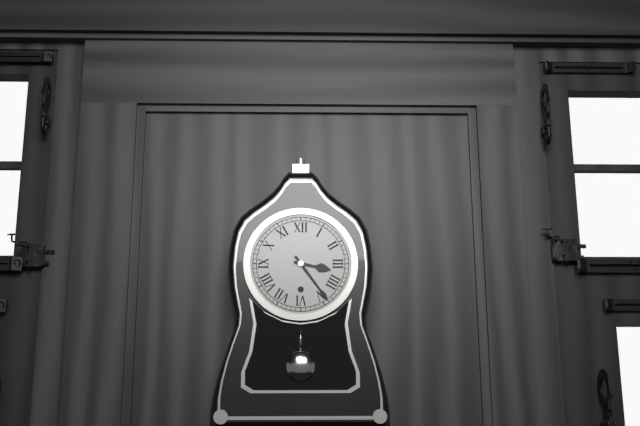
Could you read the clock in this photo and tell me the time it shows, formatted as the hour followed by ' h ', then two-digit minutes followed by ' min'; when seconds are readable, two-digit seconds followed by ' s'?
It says 3 h 24 min
